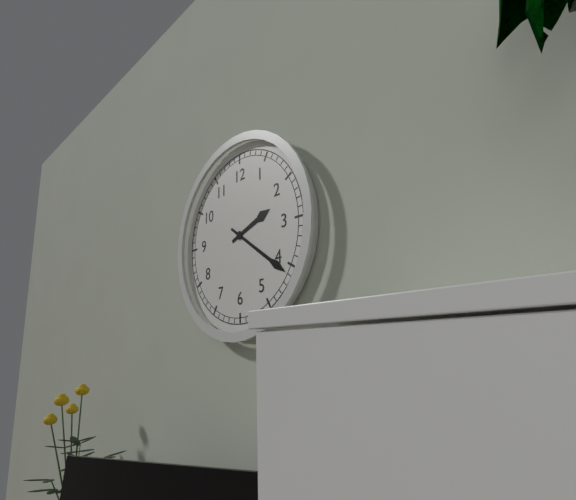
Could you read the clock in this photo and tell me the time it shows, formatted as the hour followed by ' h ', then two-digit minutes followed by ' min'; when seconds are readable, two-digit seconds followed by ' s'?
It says 2 h 21 min
